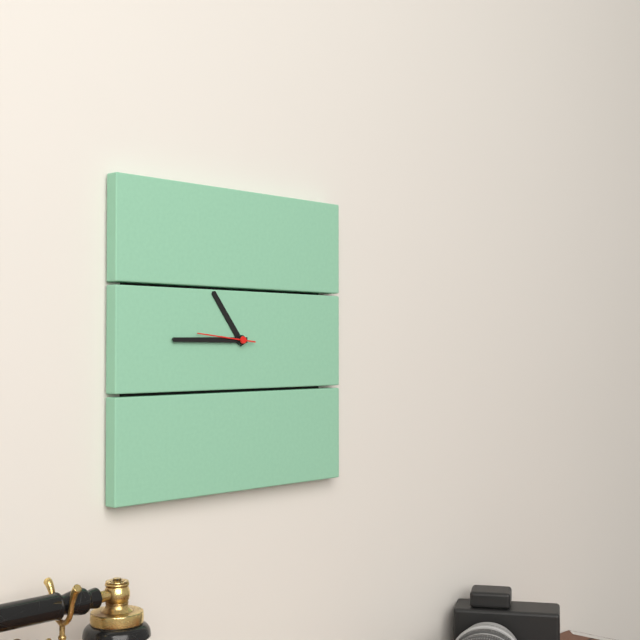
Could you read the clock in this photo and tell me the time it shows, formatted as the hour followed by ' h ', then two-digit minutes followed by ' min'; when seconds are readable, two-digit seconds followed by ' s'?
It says 10 h 45 min 46 s
